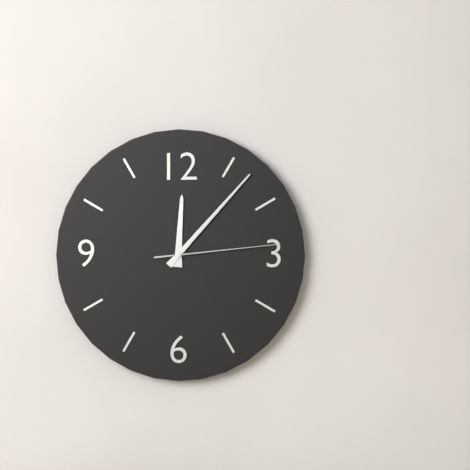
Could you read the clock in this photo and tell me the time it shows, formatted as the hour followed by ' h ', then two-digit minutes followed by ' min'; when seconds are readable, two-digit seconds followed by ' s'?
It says 12 h 07 min 14 s
